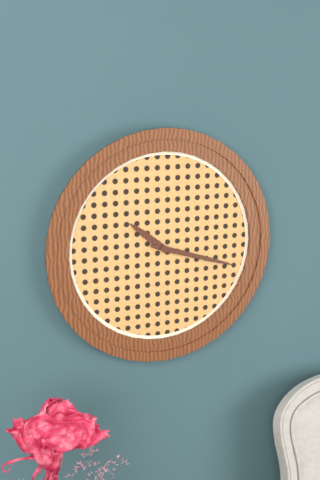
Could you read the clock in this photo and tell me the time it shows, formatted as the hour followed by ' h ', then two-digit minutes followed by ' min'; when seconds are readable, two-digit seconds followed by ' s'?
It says 10 h 18 min
